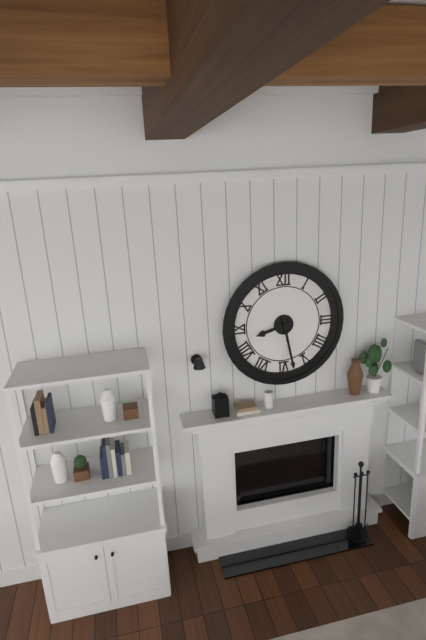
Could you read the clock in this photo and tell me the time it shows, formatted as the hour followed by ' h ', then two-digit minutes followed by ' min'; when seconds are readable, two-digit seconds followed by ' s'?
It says 8 h 28 min
